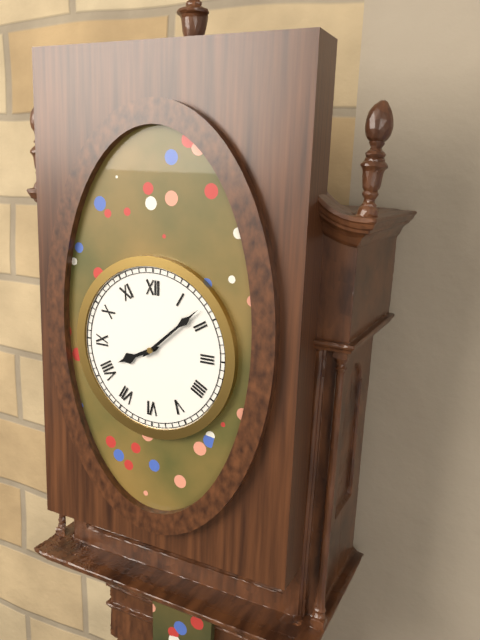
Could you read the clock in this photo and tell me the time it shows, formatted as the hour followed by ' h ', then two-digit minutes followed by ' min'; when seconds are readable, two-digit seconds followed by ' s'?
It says 8 h 08 min
